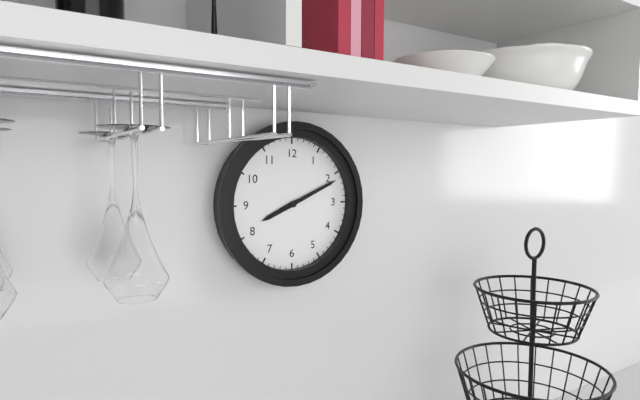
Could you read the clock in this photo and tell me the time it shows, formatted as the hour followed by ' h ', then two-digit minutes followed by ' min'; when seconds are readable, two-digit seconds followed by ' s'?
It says 8 h 11 min
